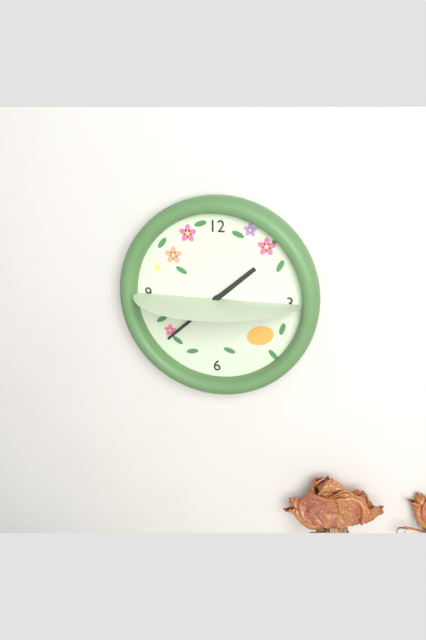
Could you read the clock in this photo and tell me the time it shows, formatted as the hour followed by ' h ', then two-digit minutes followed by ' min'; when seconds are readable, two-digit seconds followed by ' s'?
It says 1 h 38 min
